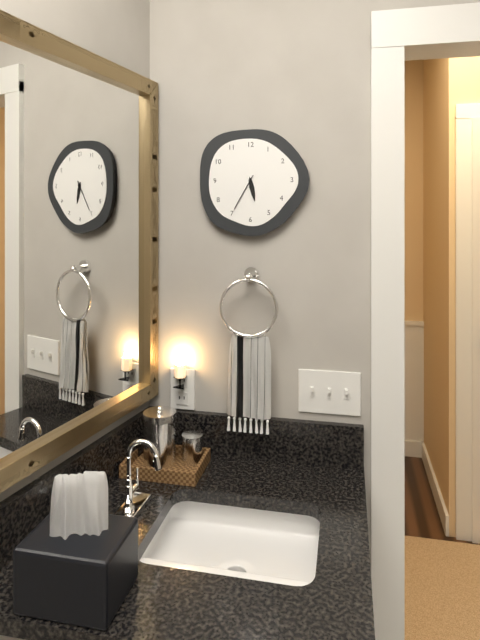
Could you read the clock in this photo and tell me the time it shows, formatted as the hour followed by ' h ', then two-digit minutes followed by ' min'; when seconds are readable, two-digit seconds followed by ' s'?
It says 5 h 35 min
